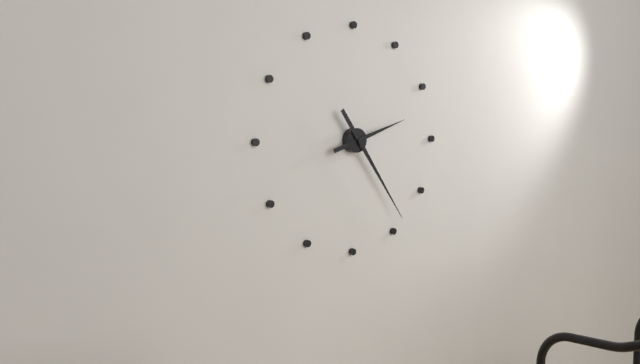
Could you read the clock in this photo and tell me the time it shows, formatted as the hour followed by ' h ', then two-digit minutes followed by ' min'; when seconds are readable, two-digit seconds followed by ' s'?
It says 2 h 24 min
